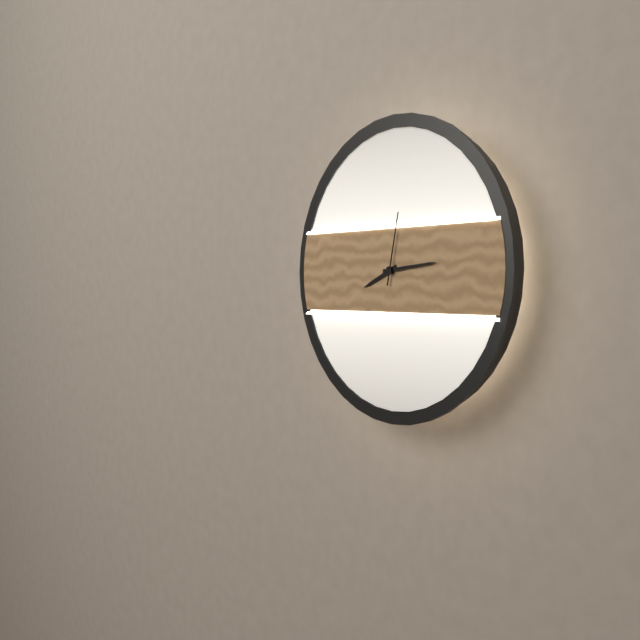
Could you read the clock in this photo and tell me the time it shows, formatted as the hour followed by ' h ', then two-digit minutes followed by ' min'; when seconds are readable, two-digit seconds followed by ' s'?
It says 8 h 14 min 02 s
